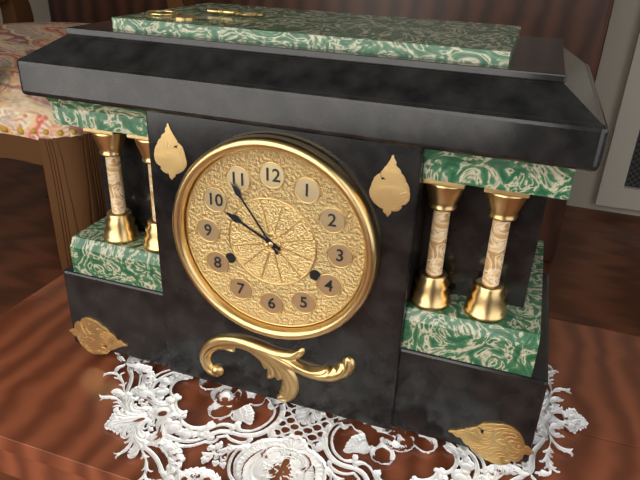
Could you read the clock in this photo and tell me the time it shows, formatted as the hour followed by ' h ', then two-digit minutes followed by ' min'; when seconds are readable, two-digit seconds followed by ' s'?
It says 9 h 54 min
